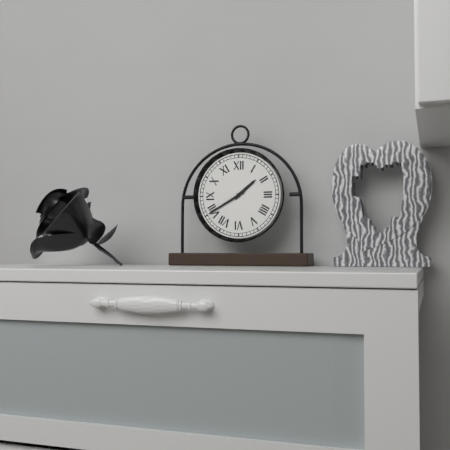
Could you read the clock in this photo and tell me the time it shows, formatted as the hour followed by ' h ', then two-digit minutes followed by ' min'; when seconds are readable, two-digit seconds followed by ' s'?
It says 1 h 40 min
